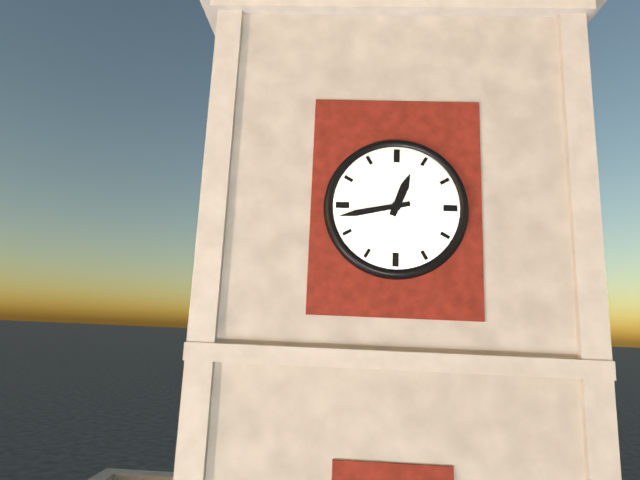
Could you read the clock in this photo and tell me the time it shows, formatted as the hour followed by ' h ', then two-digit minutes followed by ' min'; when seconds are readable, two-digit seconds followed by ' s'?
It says 12 h 43 min
